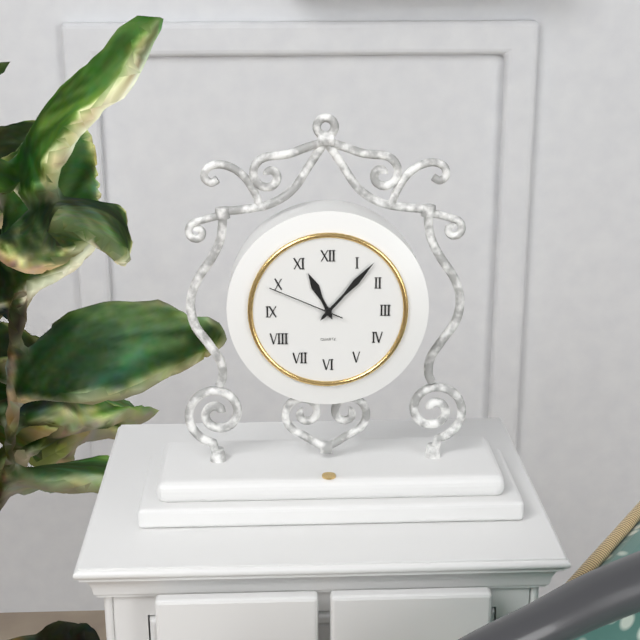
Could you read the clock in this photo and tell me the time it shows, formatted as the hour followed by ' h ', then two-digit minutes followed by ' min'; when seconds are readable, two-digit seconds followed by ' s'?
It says 11 h 07 min 49 s
